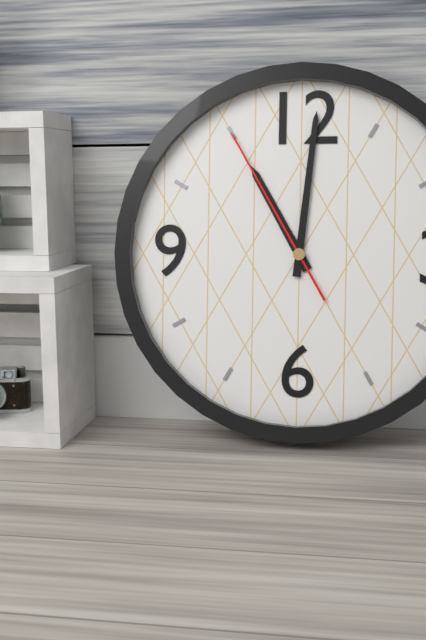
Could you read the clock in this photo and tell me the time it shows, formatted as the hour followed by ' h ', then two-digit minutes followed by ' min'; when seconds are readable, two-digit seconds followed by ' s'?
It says 11 h 01 min 55 s
